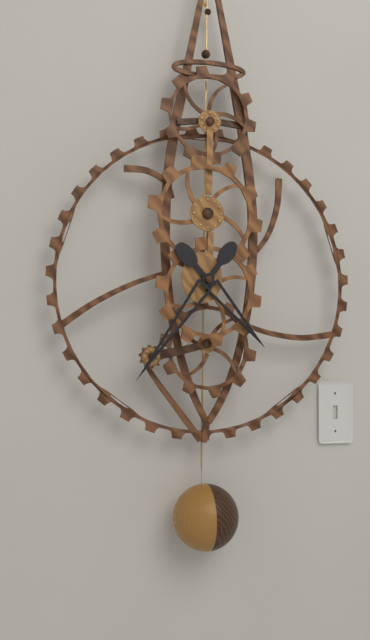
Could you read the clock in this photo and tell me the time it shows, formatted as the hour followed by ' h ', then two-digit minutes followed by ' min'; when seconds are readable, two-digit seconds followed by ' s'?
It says 4 h 36 min
